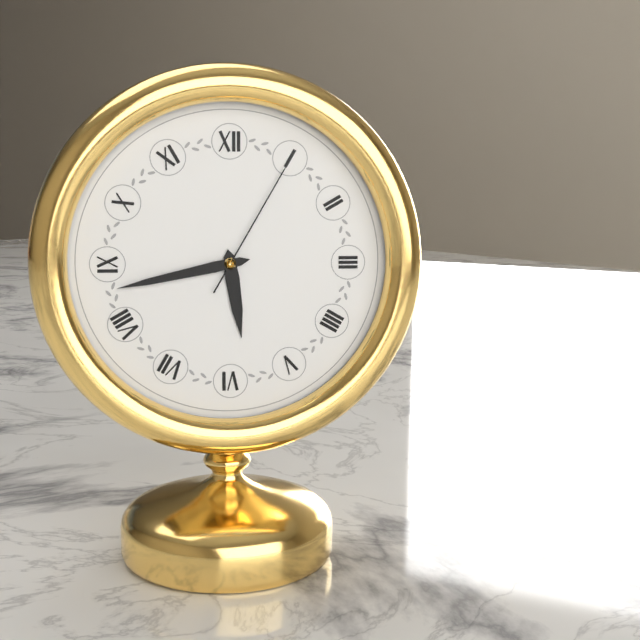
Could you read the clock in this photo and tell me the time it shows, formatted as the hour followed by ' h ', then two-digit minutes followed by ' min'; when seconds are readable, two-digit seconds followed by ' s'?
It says 5 h 43 min 05 s
